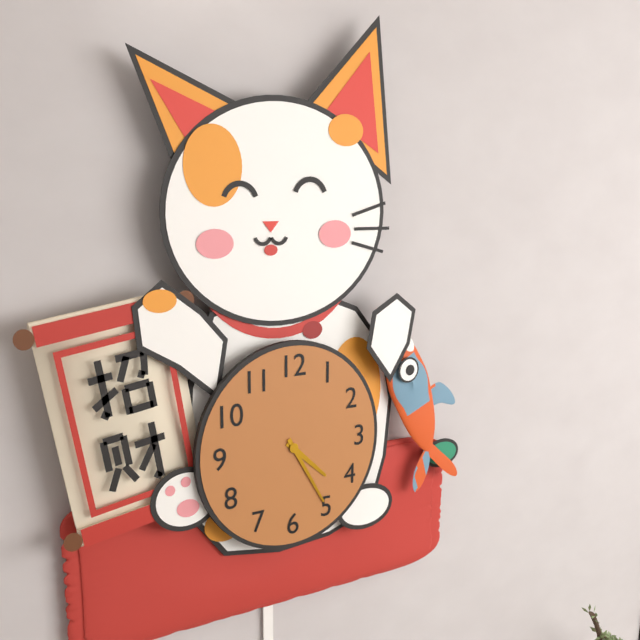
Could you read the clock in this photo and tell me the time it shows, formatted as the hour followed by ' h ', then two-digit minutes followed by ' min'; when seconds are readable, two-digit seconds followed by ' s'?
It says 4 h 25 min
